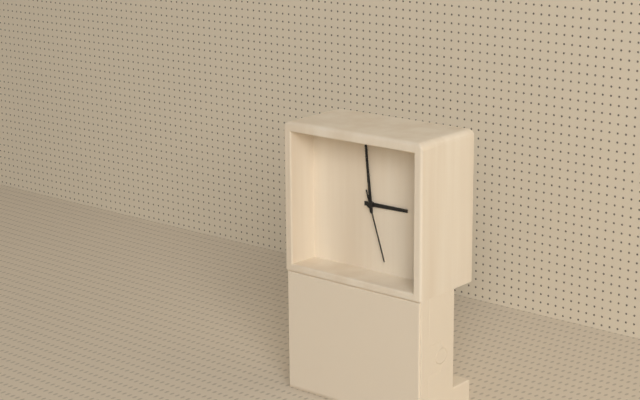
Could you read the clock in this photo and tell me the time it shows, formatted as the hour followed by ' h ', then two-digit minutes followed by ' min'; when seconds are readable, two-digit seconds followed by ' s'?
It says 2 h 59 min 27 s
